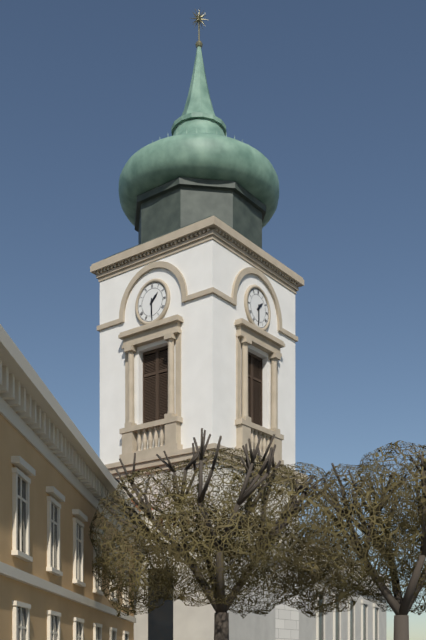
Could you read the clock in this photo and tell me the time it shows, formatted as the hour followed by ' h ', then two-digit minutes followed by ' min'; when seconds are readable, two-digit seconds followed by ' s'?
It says 1 h 30 min
